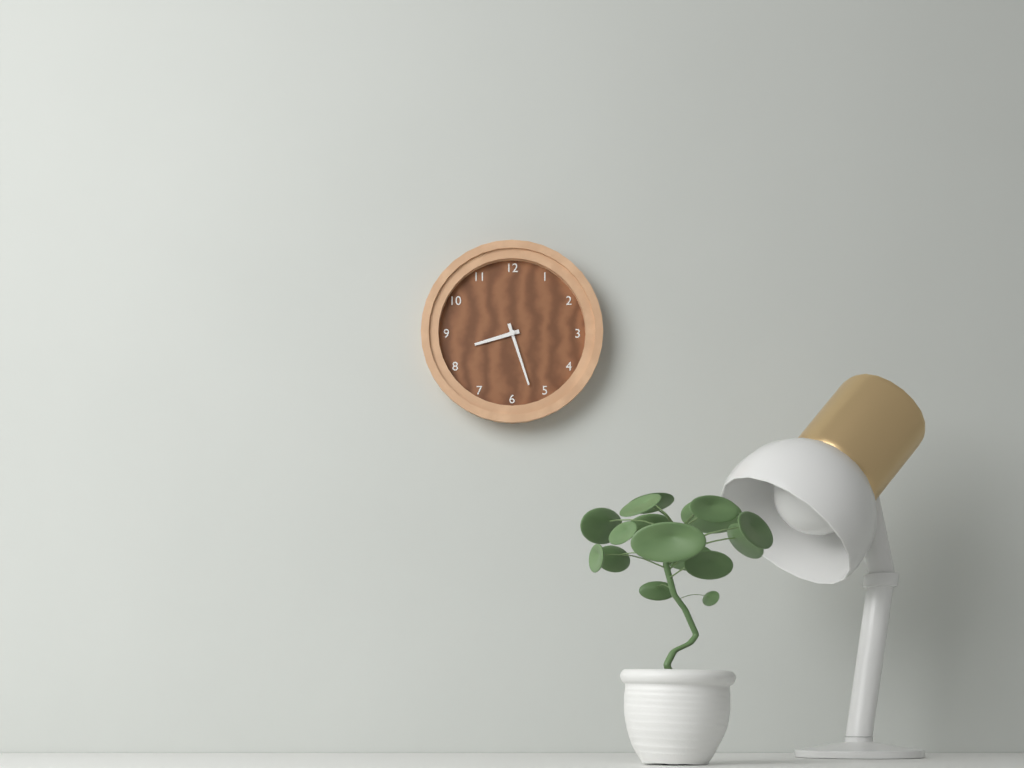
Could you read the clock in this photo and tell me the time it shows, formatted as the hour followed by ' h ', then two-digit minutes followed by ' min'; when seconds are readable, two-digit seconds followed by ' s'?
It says 8 h 27 min
